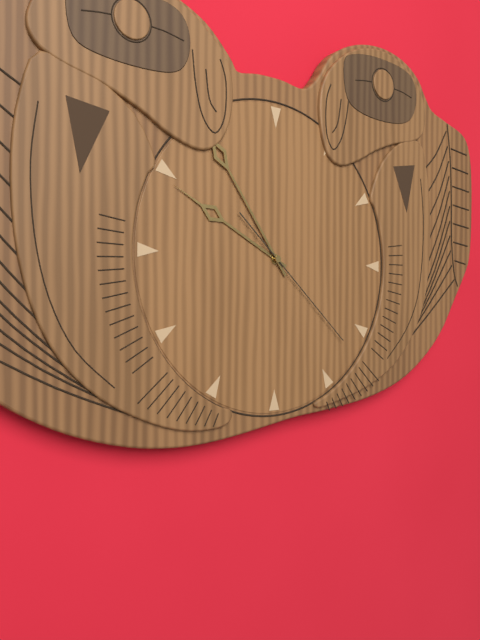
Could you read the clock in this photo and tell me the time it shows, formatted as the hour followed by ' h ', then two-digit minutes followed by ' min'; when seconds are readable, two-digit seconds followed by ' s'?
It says 9 h 54 min 22 s
